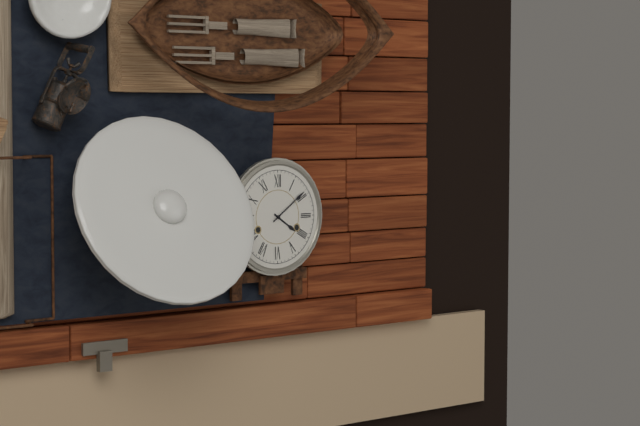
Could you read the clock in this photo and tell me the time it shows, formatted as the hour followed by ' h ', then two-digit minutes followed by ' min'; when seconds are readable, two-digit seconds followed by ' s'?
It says 4 h 09 min
